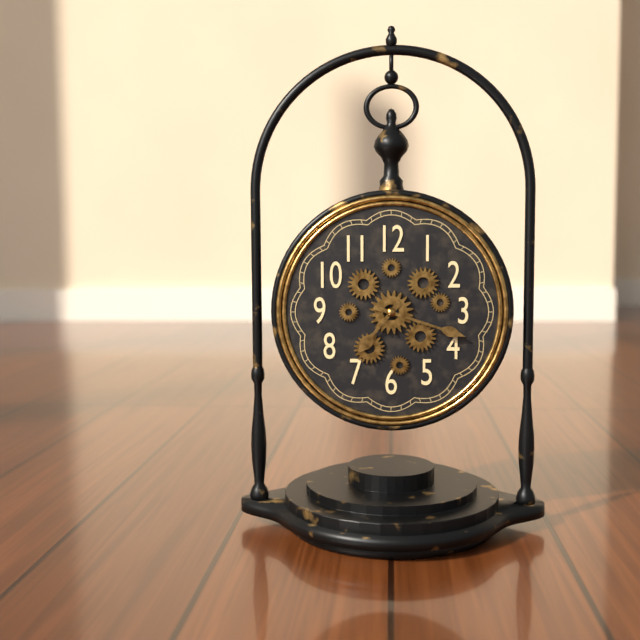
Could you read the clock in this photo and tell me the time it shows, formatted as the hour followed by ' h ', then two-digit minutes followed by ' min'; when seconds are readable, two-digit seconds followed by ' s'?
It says 7 h 18 min
